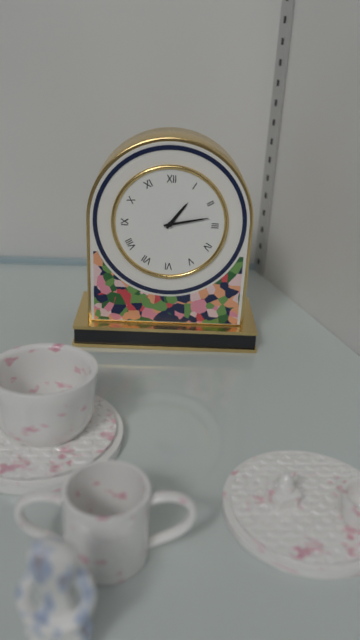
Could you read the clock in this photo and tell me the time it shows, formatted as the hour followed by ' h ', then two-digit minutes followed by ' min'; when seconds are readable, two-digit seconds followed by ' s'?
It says 1 h 13 min
